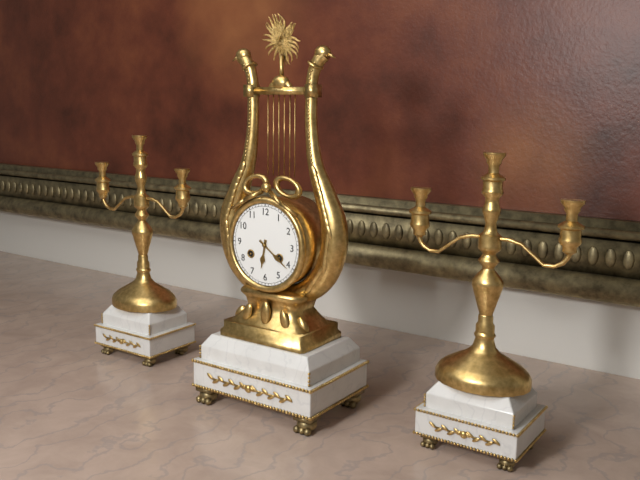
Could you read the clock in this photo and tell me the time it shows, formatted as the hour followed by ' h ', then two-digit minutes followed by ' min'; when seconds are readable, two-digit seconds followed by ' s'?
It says 6 h 21 min
